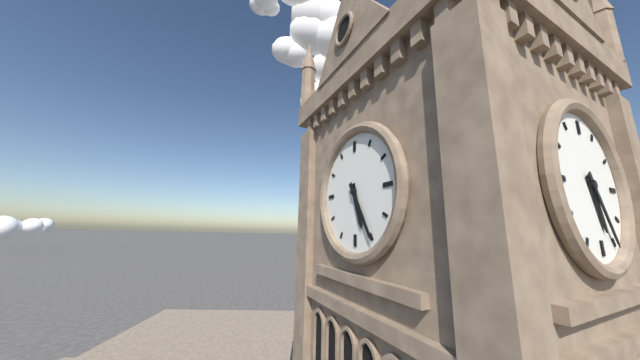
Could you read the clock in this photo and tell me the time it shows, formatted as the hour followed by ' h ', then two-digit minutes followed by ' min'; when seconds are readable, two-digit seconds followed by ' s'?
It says 5 h 25 min
